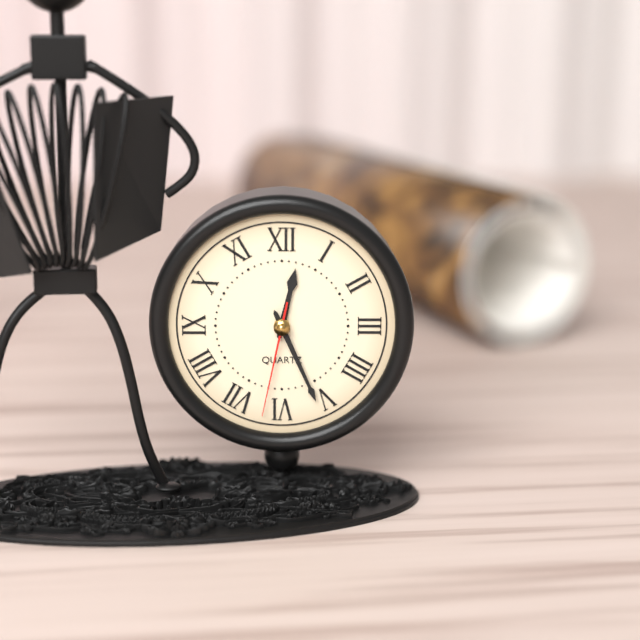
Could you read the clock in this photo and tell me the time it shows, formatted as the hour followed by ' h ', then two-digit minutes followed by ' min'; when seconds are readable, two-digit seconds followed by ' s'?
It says 12 h 26 min 32 s
